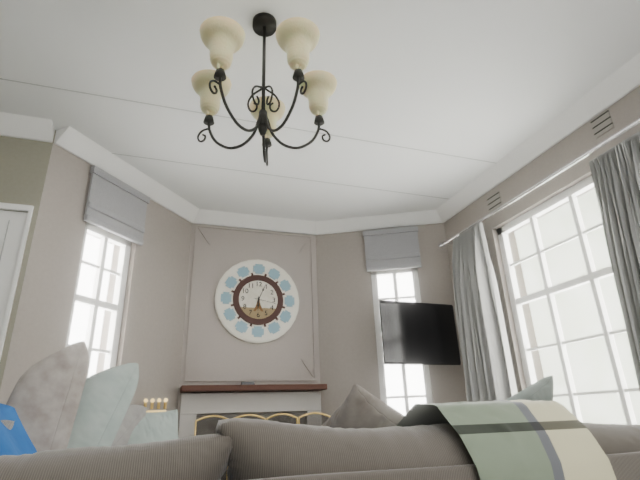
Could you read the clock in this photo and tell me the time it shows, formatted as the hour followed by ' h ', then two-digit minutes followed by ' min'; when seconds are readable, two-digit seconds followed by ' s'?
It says 6 h 04 min
